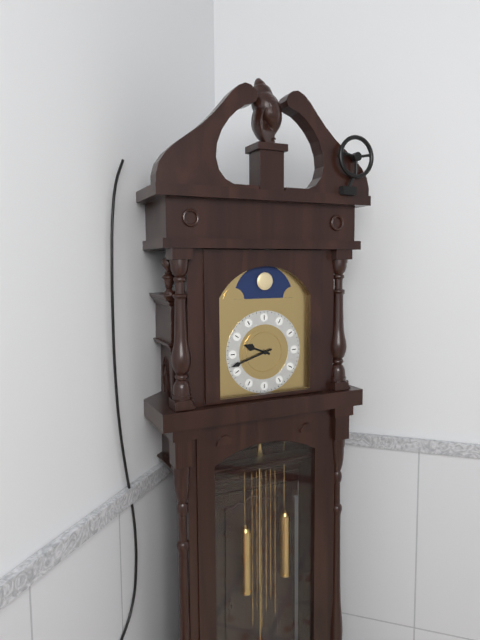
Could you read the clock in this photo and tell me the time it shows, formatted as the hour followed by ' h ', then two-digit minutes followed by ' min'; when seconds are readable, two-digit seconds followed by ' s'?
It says 9 h 42 min
